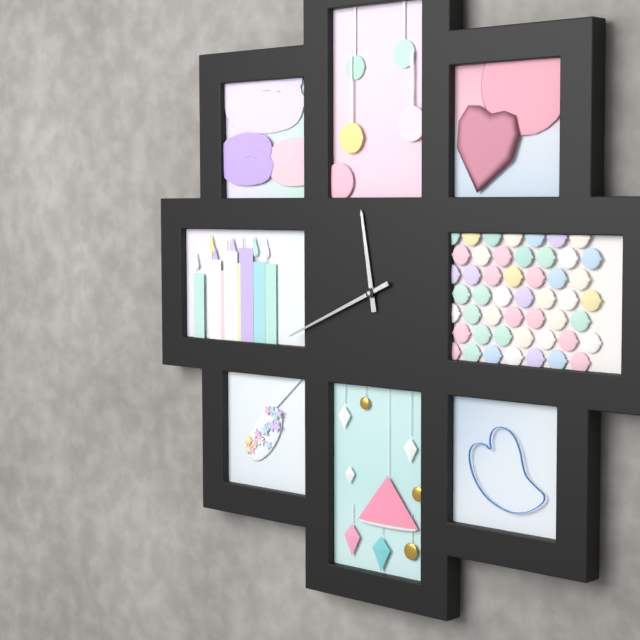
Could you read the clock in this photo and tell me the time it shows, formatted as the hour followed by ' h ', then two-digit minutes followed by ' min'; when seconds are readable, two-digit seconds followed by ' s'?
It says 11 h 41 min
